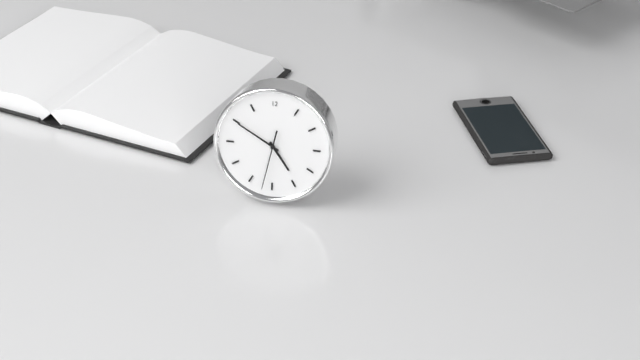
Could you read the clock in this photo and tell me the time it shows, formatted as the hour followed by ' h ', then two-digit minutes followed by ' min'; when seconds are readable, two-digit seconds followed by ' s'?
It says 4 h 50 min 32 s
